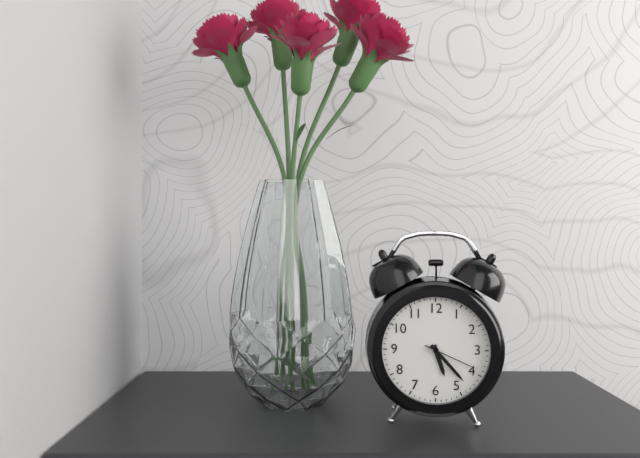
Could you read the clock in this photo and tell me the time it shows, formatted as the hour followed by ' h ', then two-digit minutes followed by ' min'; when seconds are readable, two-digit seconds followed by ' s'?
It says 5 h 23 min 19 s
